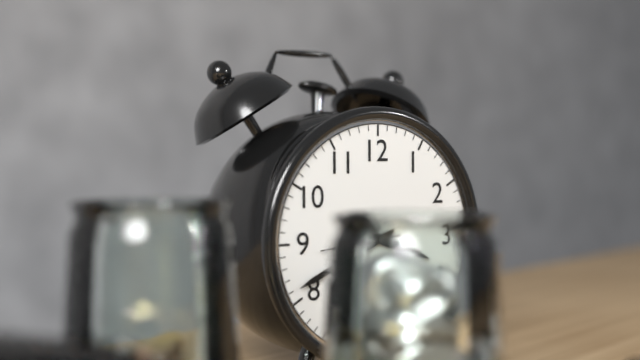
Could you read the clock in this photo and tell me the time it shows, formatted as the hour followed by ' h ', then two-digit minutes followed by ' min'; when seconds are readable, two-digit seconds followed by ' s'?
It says 3 h 41 min 44 s
